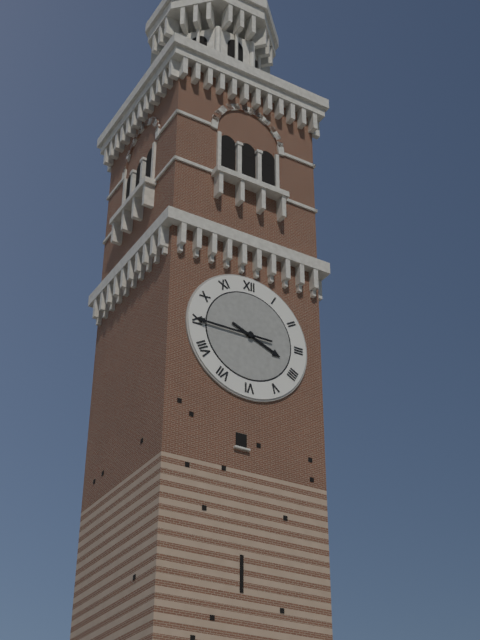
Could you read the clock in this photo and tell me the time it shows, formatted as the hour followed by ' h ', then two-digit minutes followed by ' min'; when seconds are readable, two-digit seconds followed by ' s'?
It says 3 h 45 min
